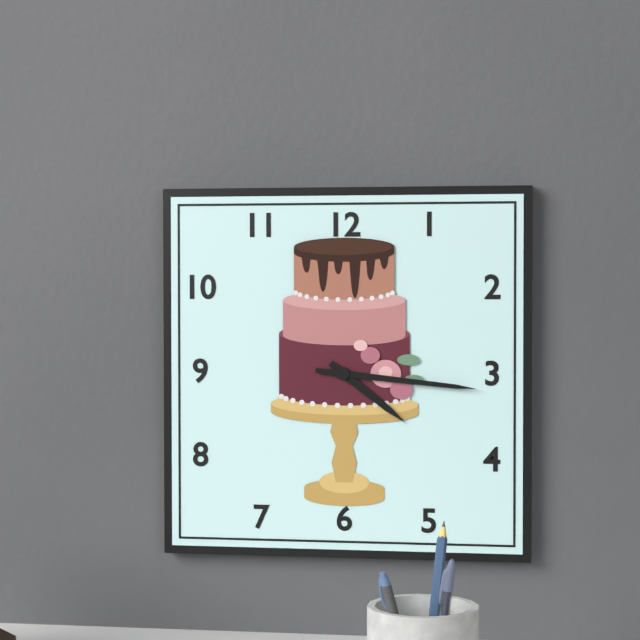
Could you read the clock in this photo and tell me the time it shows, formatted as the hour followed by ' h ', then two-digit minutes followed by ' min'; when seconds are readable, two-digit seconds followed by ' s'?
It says 4 h 16 min
